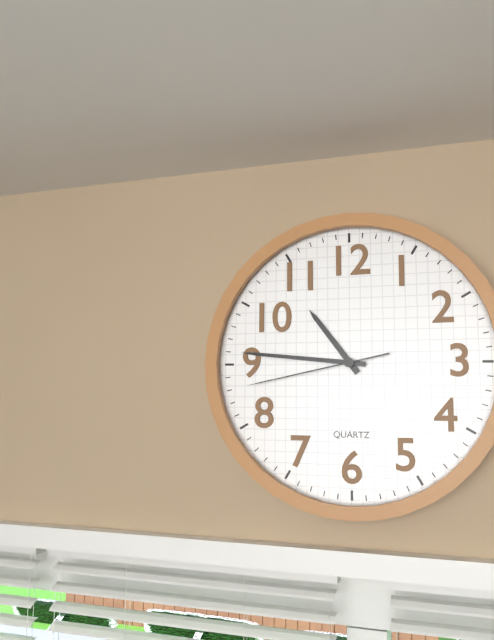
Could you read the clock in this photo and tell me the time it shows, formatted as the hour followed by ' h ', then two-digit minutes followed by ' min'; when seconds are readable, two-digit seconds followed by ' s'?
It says 10 h 46 min 43 s
